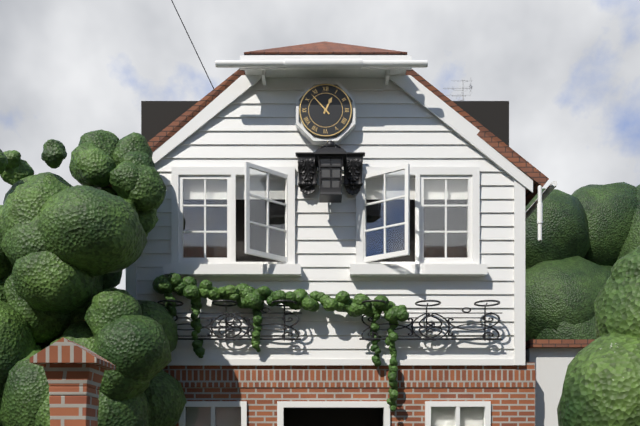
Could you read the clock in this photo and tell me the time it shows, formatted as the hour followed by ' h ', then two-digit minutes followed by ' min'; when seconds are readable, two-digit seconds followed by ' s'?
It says 12 h 53 min
